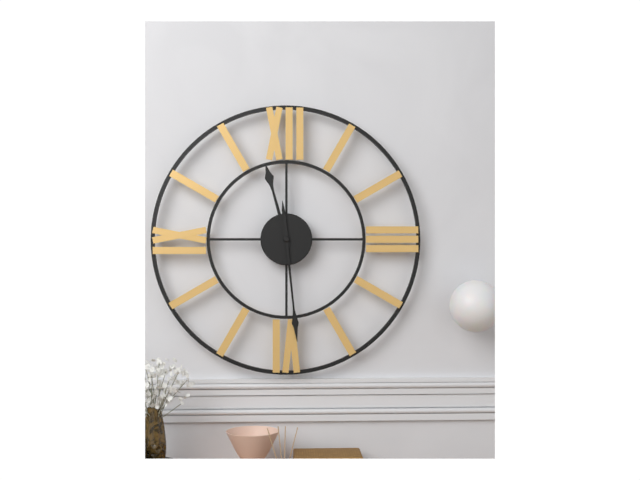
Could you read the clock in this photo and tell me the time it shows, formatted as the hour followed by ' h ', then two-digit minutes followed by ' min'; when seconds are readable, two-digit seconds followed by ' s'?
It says 11 h 29 min
